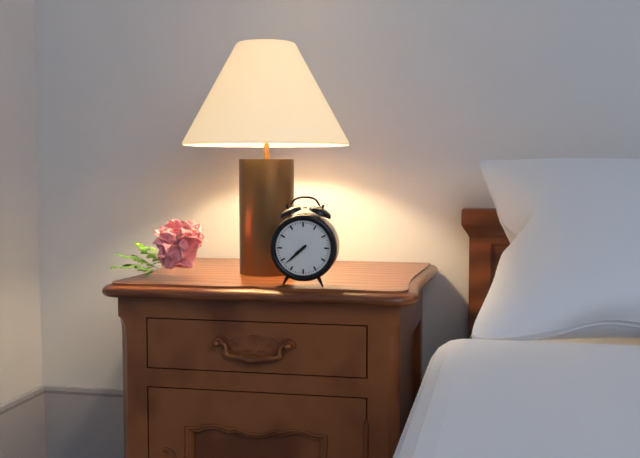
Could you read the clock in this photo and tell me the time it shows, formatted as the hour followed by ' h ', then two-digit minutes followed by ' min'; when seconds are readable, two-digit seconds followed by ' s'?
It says 7 h 38 min
